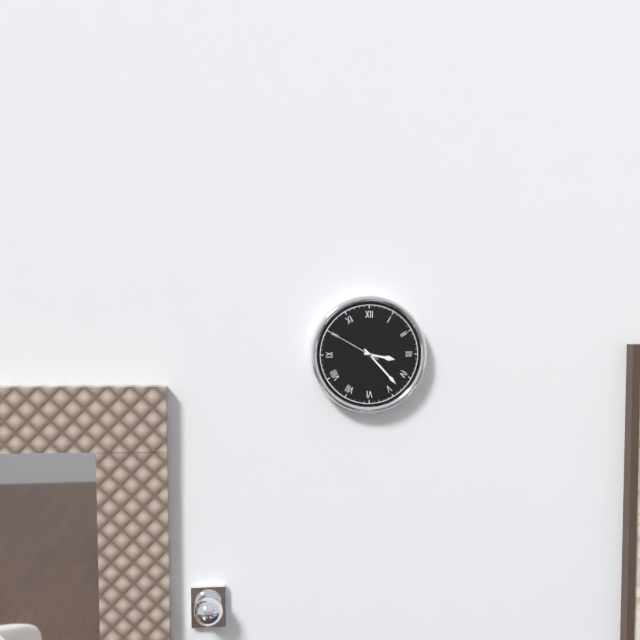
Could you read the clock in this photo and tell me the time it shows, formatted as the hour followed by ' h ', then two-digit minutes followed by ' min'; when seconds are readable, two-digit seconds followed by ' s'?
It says 3 h 23 min 50 s
